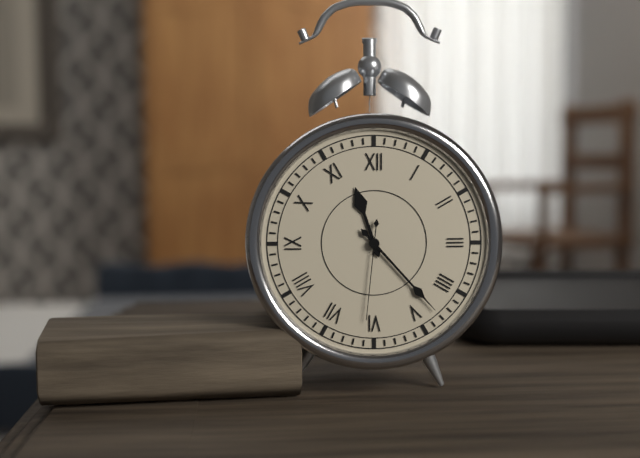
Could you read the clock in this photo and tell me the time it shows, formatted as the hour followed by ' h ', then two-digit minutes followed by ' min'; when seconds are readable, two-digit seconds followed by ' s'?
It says 11 h 23 min 31 s
